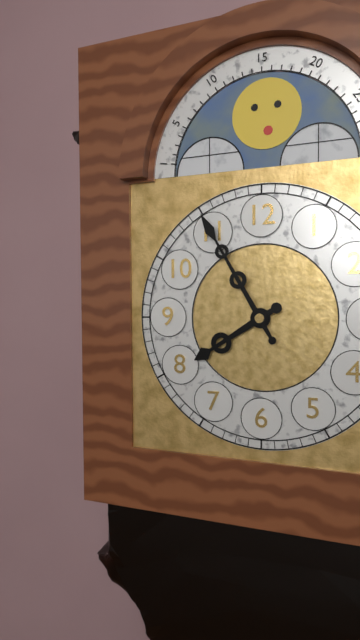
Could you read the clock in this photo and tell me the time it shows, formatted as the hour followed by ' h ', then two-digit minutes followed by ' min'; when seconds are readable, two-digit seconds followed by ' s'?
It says 7 h 55 min
